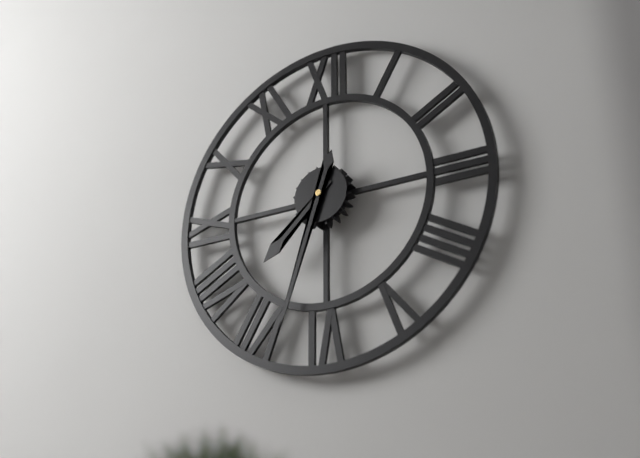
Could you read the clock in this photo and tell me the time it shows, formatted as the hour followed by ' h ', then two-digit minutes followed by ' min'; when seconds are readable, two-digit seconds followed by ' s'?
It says 7 h 33 min
